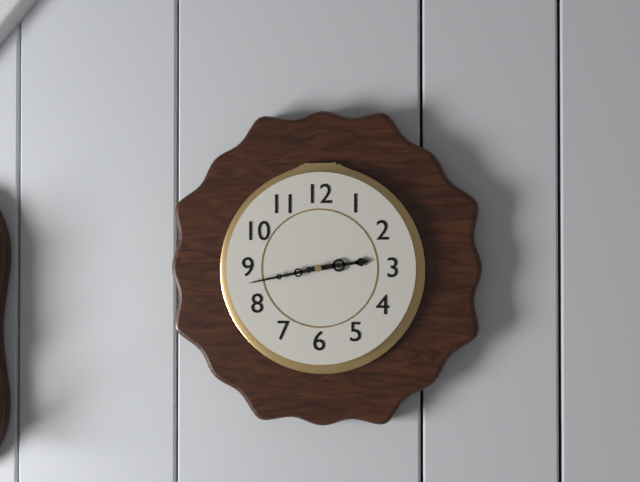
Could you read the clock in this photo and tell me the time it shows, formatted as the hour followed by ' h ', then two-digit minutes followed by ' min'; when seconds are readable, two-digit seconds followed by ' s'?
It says 2 h 43 min
